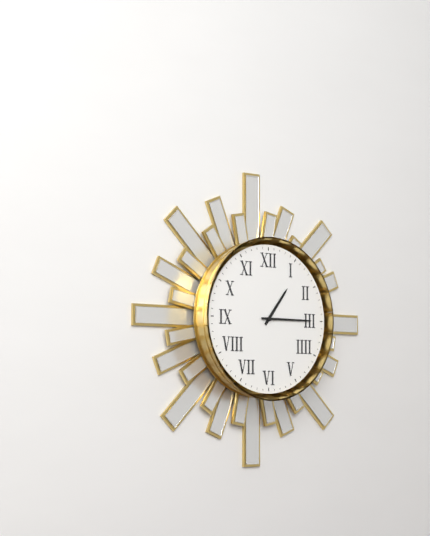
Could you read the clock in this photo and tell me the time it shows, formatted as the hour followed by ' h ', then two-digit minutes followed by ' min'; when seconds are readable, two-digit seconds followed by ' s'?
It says 1 h 15 min
